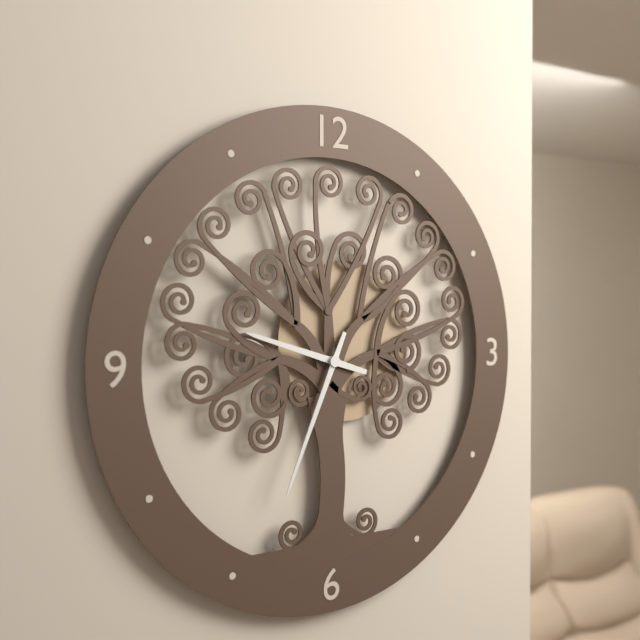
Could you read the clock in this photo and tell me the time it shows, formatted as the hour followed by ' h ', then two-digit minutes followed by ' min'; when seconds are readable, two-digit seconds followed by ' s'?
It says 9 h 34 min
